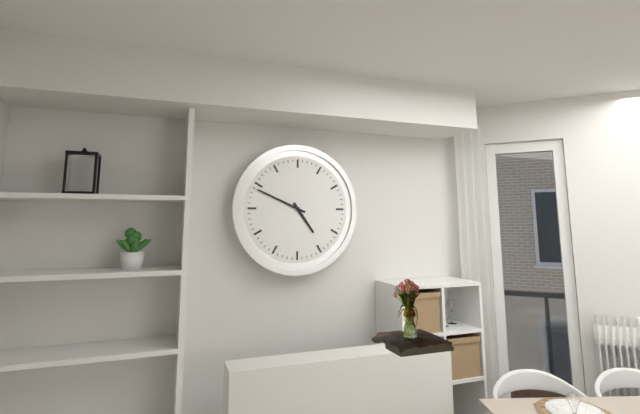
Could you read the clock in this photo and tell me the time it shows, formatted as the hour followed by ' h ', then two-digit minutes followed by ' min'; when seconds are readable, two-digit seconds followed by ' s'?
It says 4 h 49 min
